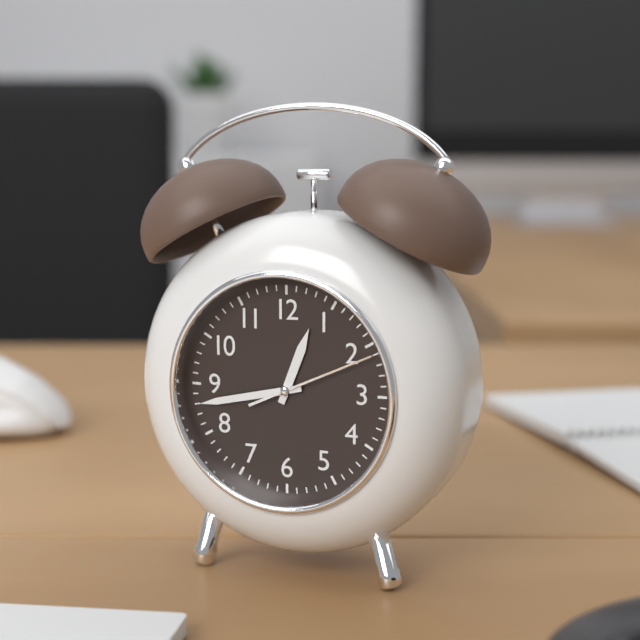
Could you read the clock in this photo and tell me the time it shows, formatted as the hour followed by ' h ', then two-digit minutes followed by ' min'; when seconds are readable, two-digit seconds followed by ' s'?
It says 12 h 43 min 11 s
